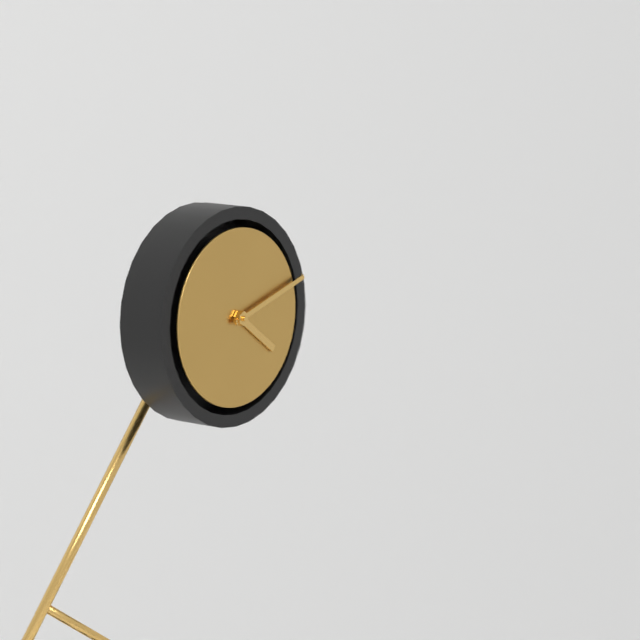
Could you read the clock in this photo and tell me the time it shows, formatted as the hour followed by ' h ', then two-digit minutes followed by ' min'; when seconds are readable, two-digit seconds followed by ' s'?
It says 4 h 12 min
